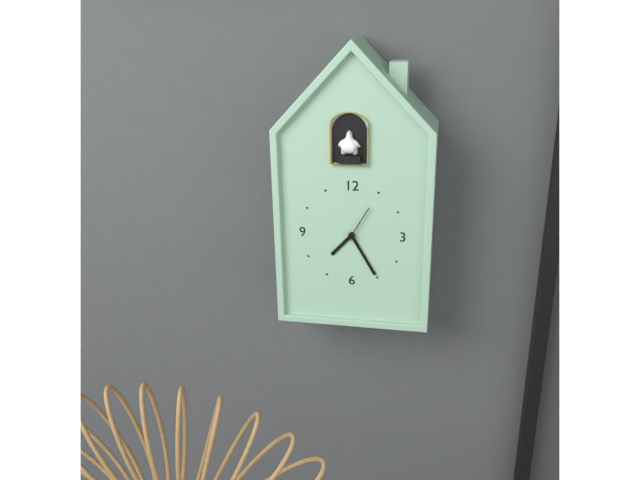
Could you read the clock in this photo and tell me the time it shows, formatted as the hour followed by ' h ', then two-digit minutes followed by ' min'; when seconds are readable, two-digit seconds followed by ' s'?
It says 7 h 25 min
